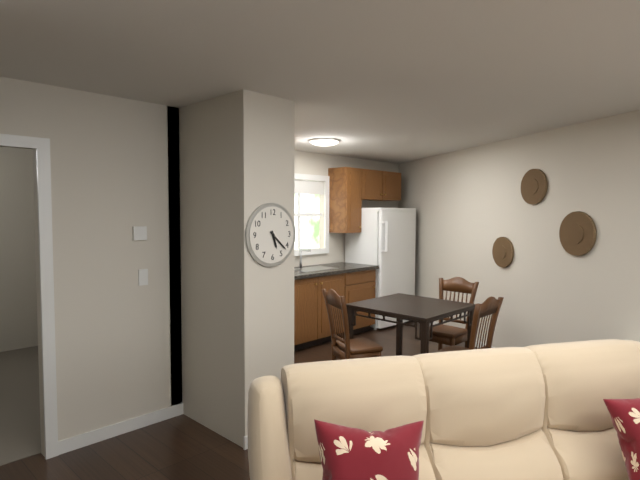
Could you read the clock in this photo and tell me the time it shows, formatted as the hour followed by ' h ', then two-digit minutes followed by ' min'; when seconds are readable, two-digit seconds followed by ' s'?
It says 5 h 22 min
